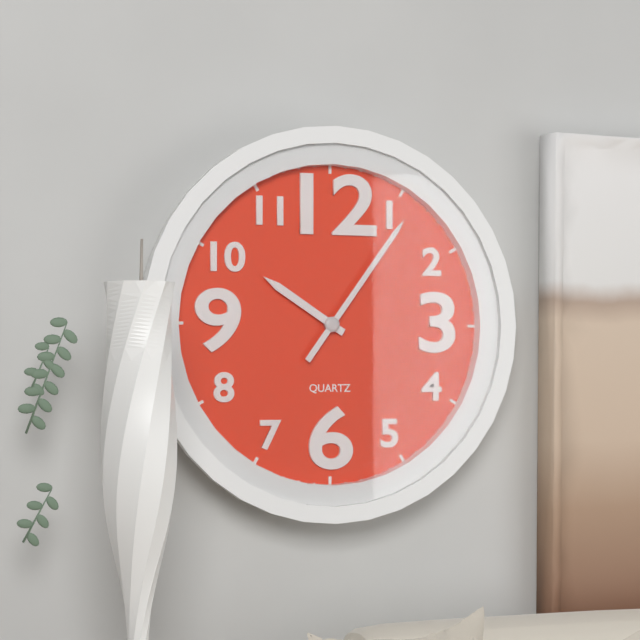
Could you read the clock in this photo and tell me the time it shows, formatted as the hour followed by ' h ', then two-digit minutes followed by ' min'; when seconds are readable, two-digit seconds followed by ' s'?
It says 10 h 06 min
